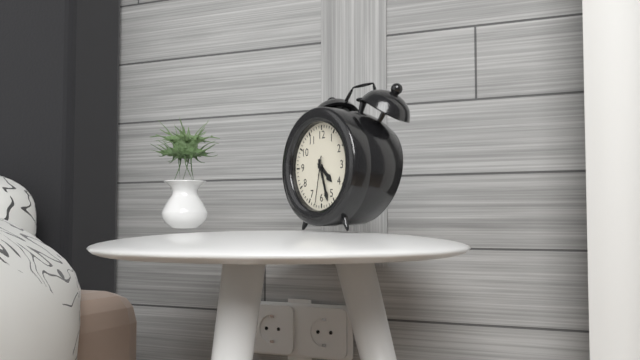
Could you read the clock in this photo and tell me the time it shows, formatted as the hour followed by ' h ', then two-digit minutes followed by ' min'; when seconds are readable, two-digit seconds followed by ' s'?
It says 4 h 27 min
